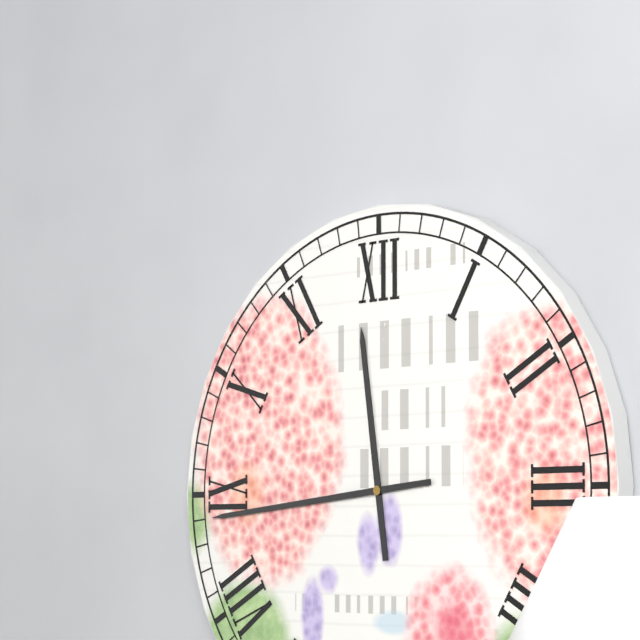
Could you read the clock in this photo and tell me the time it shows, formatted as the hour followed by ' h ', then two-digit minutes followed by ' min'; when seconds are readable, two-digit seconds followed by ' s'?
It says 11 h 44 min
